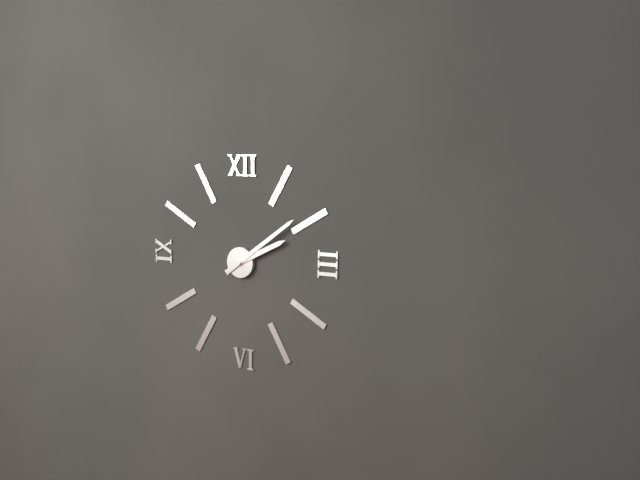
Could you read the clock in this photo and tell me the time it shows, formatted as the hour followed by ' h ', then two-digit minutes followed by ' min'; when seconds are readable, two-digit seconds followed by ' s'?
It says 2 h 09 min
